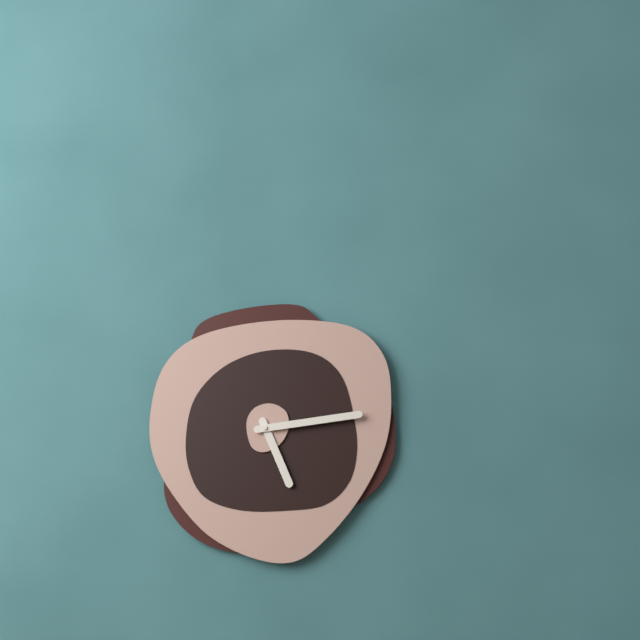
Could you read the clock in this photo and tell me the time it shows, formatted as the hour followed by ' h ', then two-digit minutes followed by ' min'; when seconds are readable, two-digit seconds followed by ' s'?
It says 5 h 14 min
